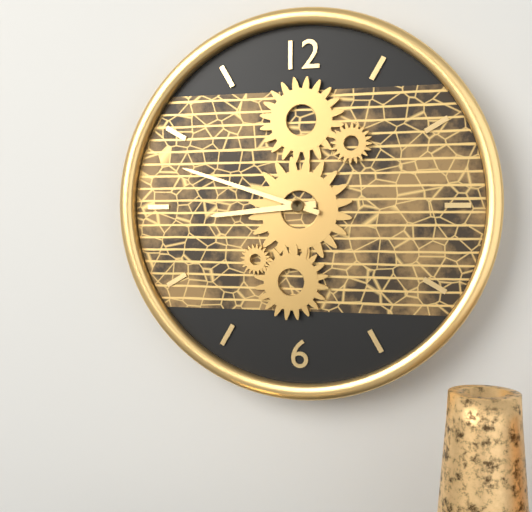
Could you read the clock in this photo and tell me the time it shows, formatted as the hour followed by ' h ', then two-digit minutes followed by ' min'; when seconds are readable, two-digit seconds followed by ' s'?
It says 8 h 48 min
